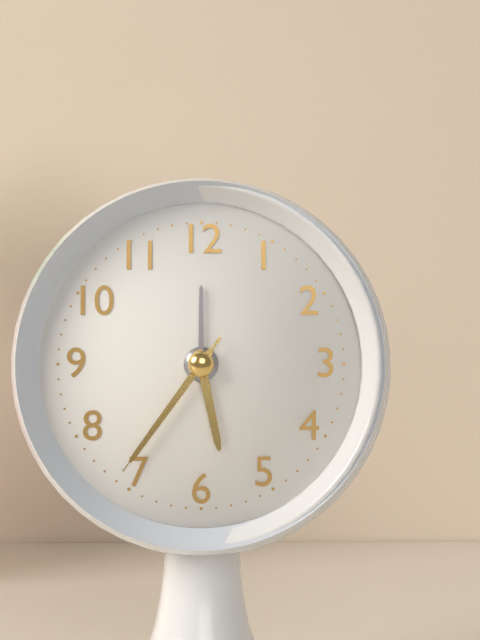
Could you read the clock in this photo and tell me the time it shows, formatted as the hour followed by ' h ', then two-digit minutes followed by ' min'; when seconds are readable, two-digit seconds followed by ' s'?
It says 5 h 36 min 36 s
